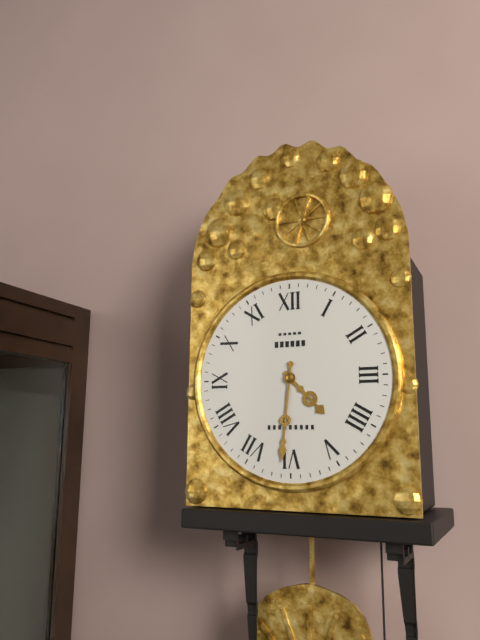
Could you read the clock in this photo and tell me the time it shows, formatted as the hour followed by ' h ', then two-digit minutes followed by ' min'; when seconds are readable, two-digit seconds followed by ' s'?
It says 4 h 31 min
